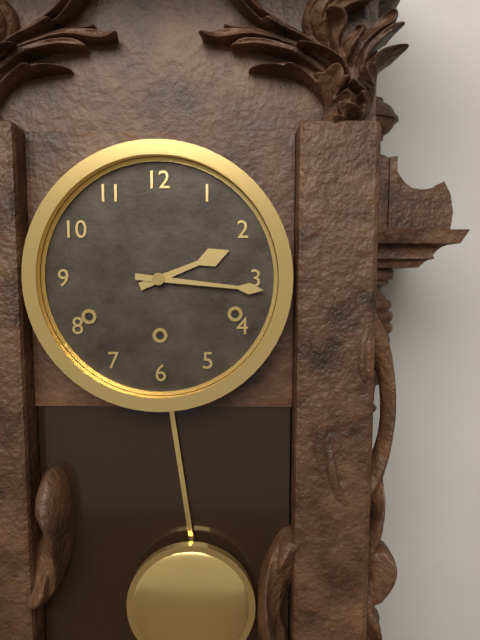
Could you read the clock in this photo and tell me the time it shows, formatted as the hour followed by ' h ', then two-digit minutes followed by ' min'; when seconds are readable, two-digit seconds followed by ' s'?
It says 2 h 16 min
